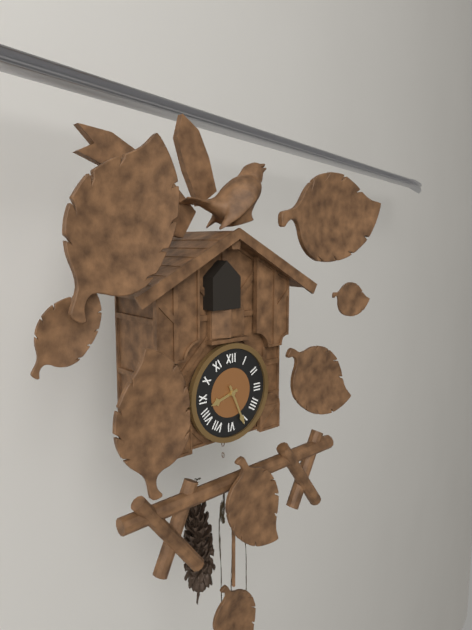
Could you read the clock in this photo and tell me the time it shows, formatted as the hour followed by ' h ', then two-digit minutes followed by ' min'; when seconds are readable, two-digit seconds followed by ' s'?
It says 8 h 26 min
